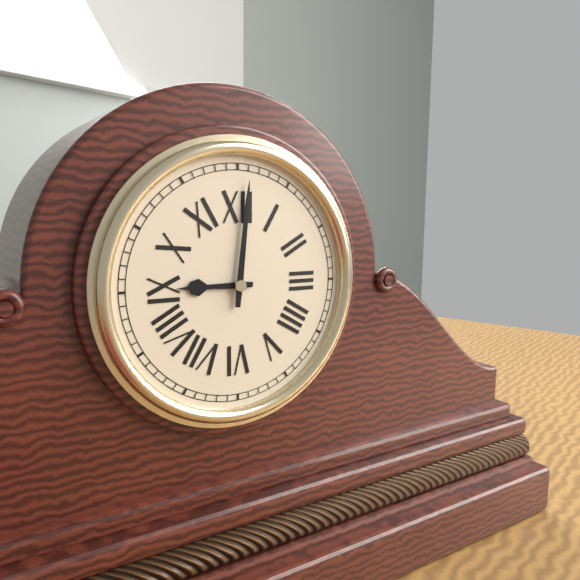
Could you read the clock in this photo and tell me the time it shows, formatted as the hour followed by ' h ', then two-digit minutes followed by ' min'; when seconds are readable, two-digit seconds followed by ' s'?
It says 9 h 01 min
